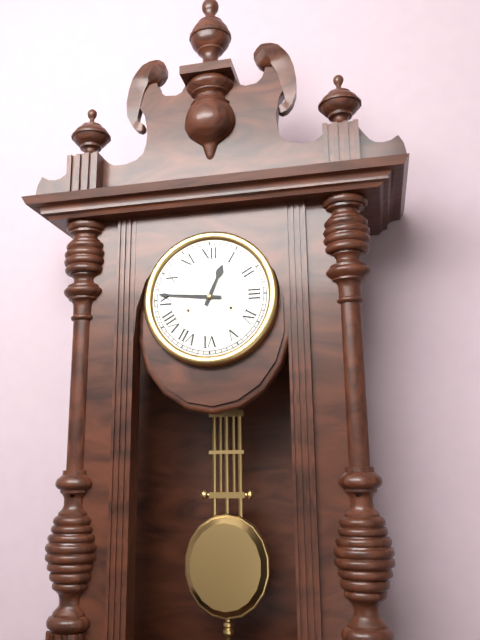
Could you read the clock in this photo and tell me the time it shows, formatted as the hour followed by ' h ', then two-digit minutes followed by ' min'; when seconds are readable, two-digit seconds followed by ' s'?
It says 12 h 46 min
